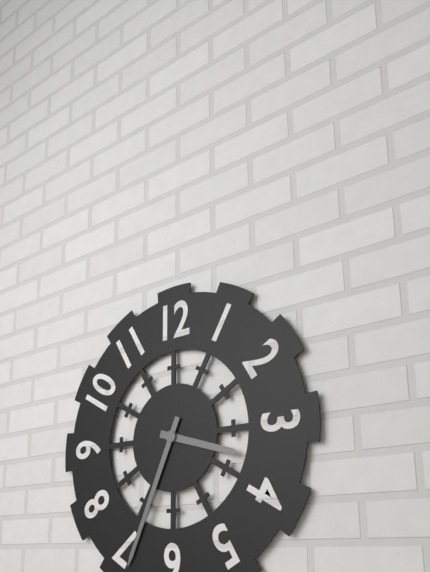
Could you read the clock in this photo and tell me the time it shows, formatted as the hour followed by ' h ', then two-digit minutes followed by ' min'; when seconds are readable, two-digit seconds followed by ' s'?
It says 3 h 34 min
